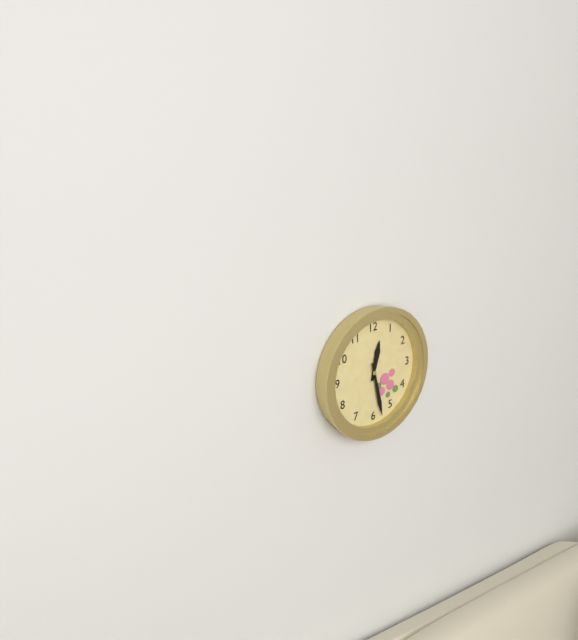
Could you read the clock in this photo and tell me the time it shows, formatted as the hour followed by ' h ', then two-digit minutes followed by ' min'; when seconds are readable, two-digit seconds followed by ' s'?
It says 12 h 28 min
